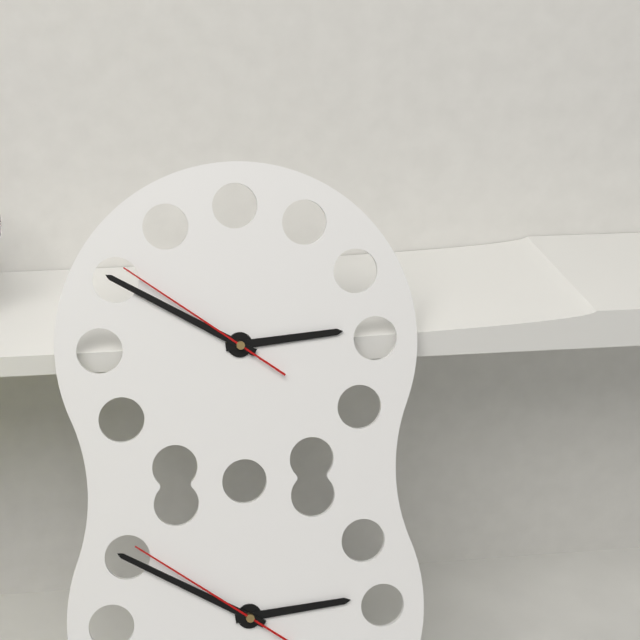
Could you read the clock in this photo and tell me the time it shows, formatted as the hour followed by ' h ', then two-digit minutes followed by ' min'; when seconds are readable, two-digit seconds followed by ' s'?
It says 2 h 50 min 51 s
